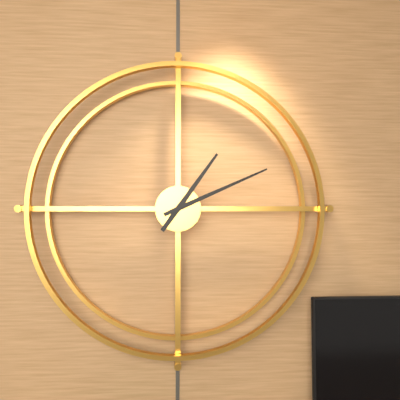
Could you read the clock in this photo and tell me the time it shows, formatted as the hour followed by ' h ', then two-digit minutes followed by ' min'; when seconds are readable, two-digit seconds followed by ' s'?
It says 1 h 11 min
